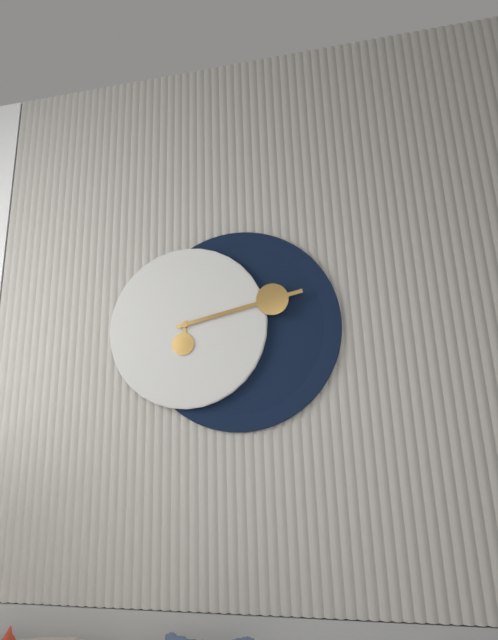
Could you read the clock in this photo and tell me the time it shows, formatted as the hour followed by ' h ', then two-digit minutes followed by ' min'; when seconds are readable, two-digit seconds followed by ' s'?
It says 6 h 13 min
